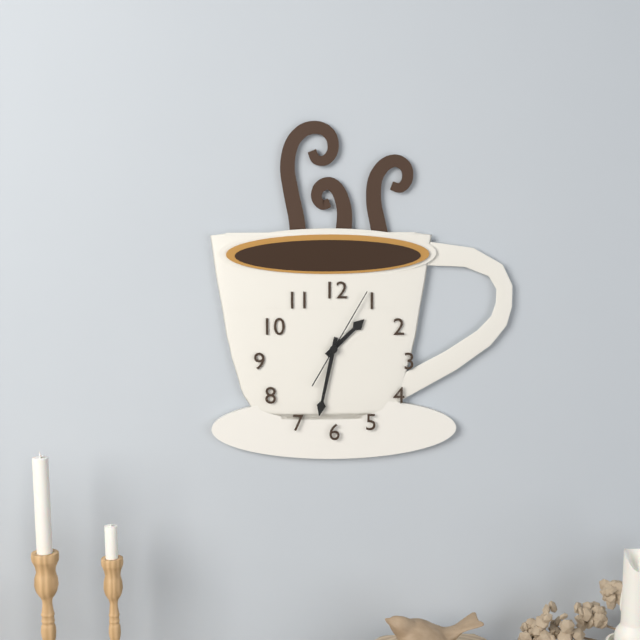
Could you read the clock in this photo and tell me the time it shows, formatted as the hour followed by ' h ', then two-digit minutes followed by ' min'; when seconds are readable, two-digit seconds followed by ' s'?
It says 1 h 32 min 05 s
